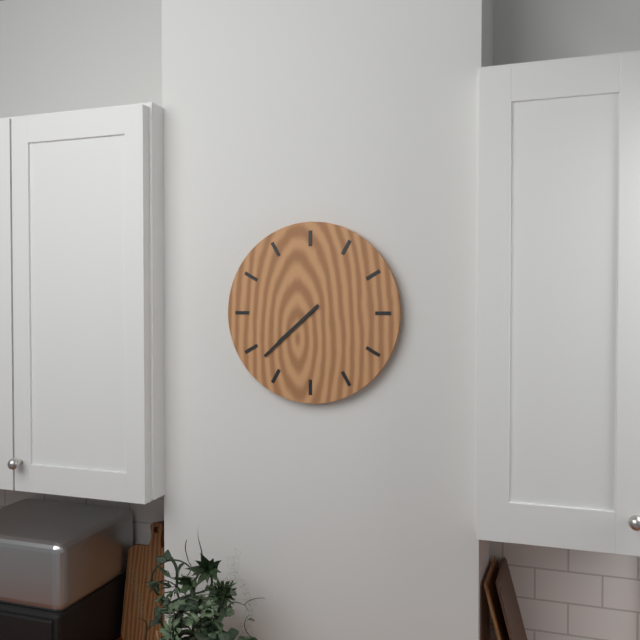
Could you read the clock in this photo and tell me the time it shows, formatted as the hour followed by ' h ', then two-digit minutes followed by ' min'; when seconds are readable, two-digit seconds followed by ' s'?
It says 7 h 38 min
